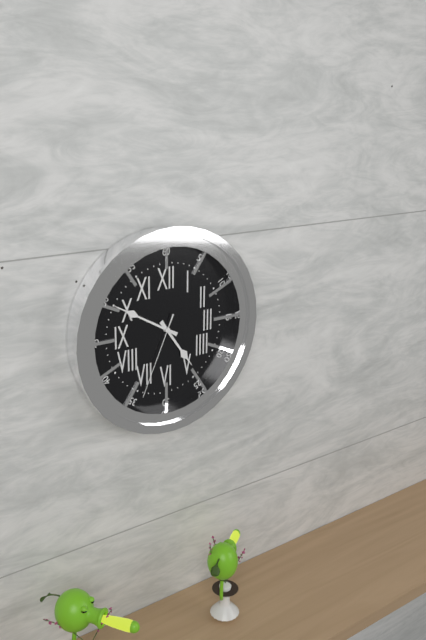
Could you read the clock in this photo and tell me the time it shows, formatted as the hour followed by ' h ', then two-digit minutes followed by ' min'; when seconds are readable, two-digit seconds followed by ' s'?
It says 4 h 50 min 34 s
